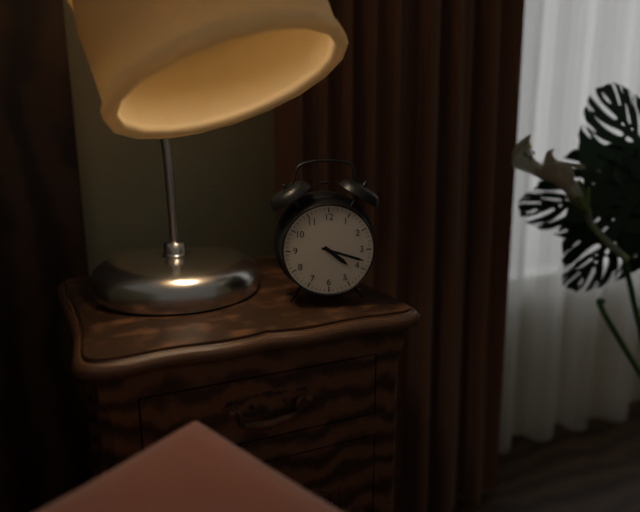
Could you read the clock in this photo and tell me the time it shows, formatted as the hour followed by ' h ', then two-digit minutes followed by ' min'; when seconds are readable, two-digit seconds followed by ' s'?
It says 4 h 18 min
